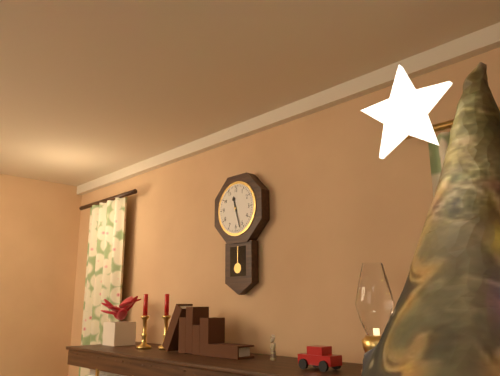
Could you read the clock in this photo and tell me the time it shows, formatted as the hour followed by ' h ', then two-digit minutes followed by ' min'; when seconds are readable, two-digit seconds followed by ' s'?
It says 11 h 27 min
